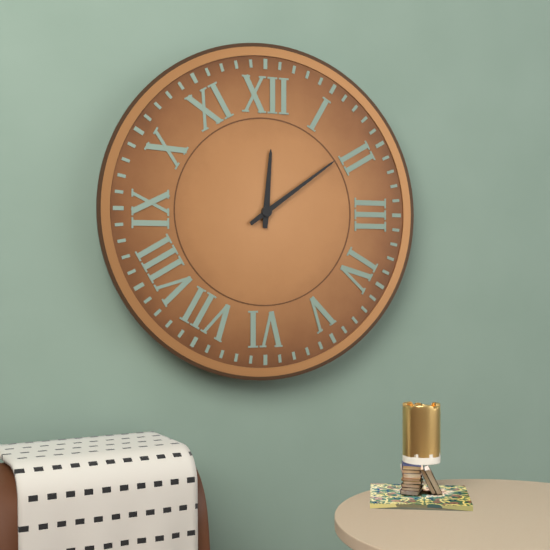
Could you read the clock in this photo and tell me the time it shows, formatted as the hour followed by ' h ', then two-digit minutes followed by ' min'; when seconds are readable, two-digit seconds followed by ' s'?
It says 12 h 09 min
